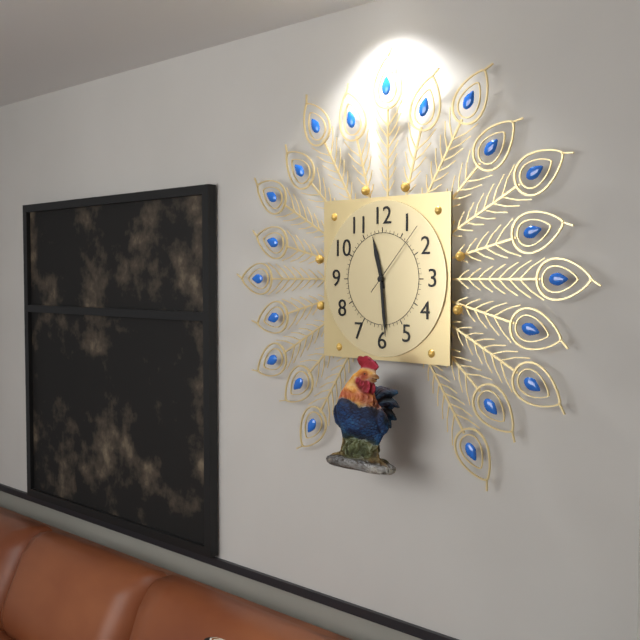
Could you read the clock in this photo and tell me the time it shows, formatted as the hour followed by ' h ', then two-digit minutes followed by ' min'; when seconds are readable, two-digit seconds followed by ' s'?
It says 11 h 29 min 07 s
